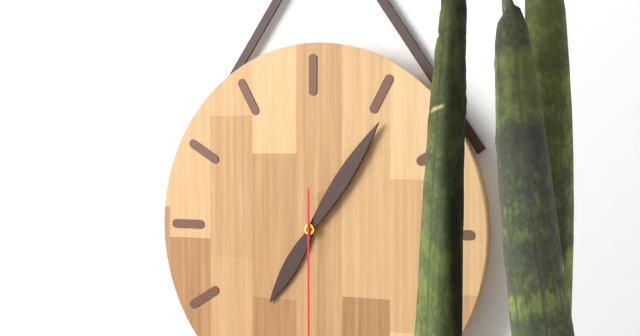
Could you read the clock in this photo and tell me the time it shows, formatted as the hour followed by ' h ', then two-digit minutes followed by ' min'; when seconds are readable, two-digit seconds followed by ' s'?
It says 7 h 06 min
